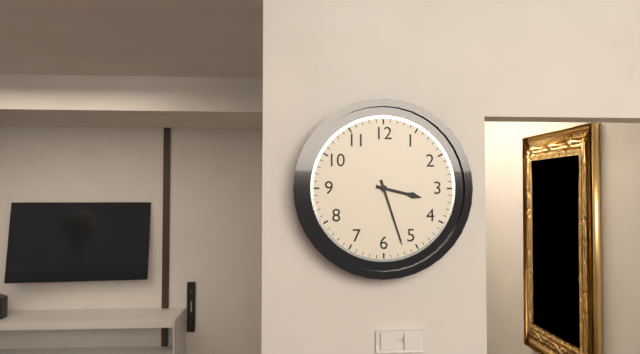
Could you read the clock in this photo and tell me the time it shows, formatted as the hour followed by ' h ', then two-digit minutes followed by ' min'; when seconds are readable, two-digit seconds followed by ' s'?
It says 3 h 27 min
